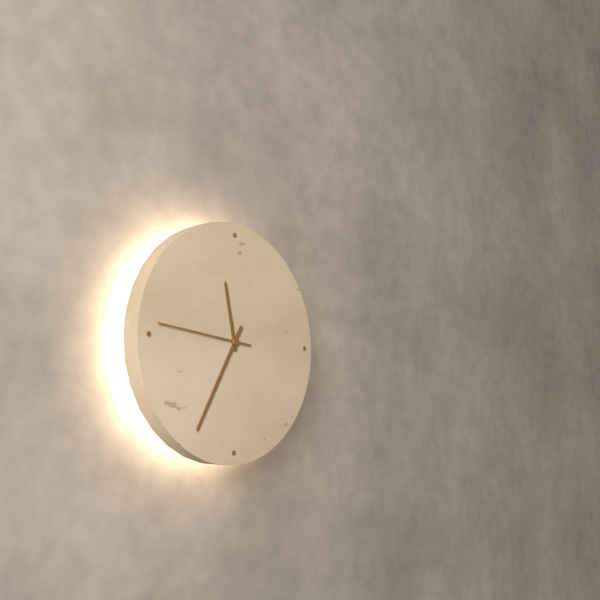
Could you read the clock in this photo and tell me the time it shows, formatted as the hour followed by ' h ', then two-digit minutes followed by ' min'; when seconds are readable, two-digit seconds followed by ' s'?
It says 11 h 35 min 46 s
